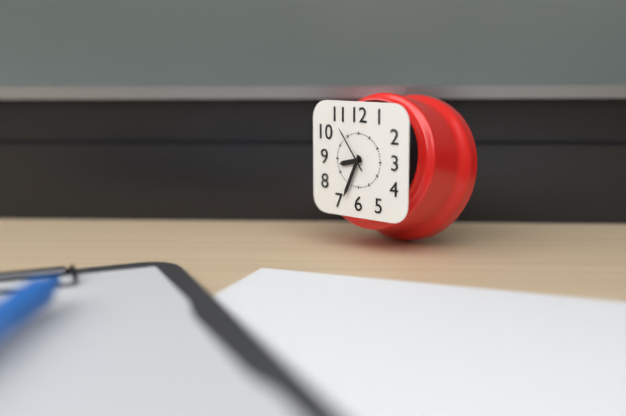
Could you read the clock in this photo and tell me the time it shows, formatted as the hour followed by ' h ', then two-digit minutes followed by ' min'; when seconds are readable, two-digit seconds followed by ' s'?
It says 8 h 34 min
